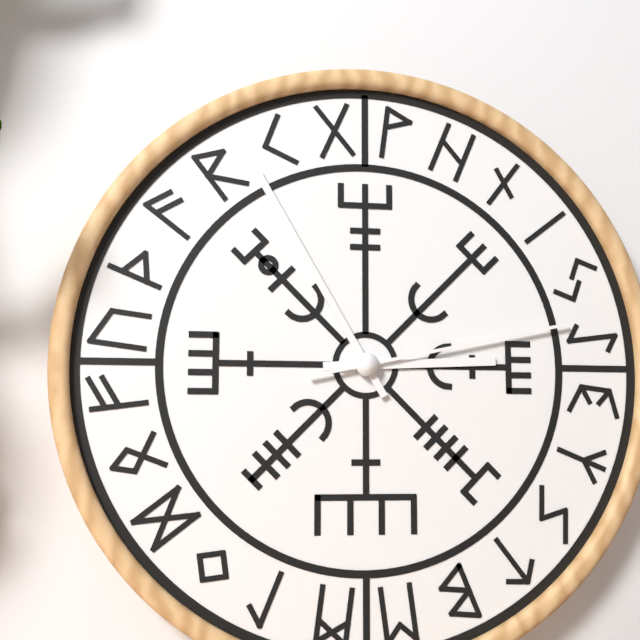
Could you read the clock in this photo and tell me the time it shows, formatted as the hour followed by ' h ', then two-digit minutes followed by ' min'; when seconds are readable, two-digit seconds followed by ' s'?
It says 2 h 55 min 13 s
